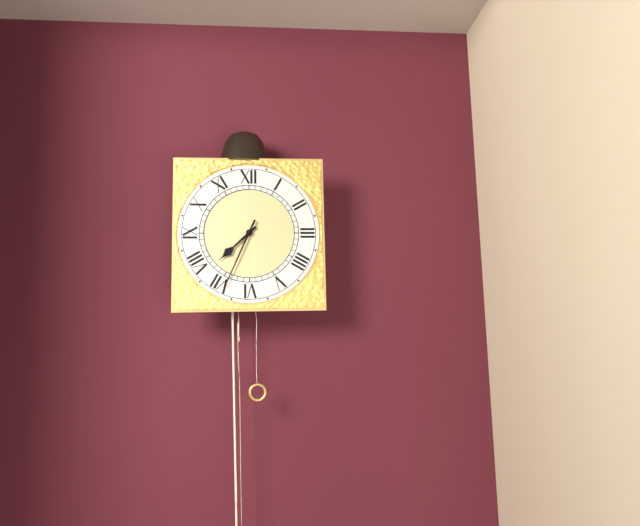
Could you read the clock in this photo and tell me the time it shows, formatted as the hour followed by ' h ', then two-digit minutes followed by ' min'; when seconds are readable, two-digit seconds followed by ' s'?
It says 7 h 34 min
